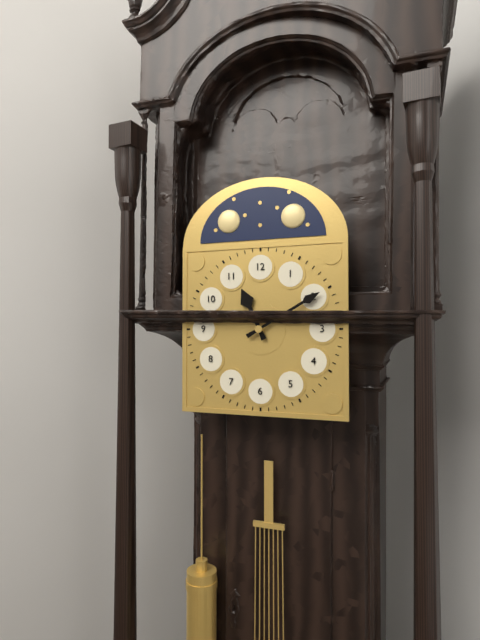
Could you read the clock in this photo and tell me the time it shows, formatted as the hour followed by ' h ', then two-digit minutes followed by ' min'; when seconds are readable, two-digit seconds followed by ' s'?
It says 11 h 10 min
